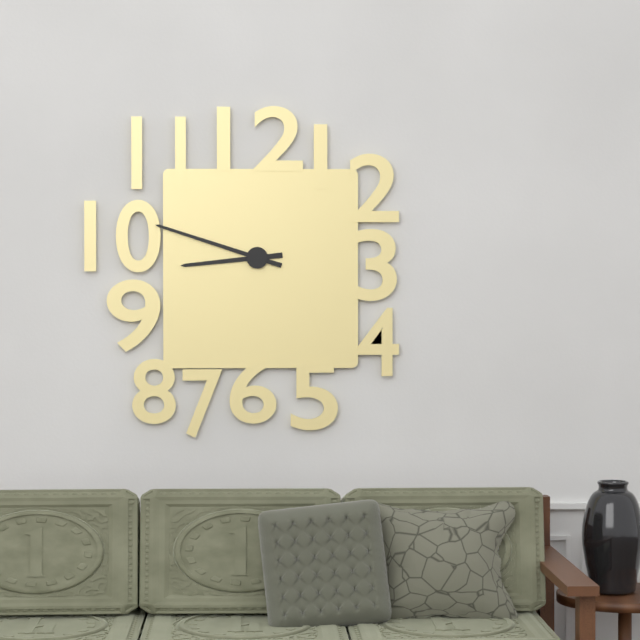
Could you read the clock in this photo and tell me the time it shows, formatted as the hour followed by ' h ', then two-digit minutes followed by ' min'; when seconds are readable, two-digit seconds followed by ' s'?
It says 8 h 48 min
